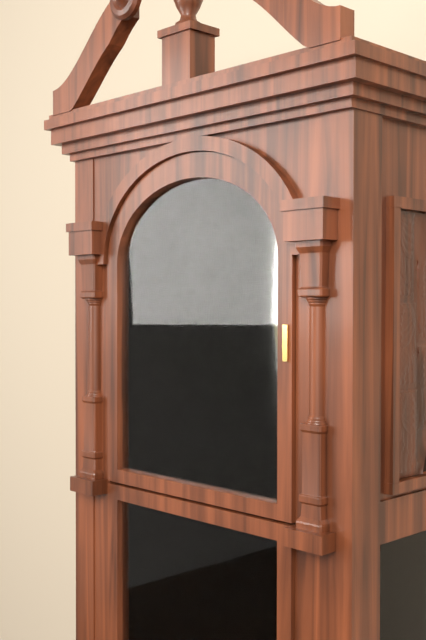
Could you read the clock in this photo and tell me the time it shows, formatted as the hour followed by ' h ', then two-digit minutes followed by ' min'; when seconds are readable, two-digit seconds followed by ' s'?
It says 2 h 24 min
